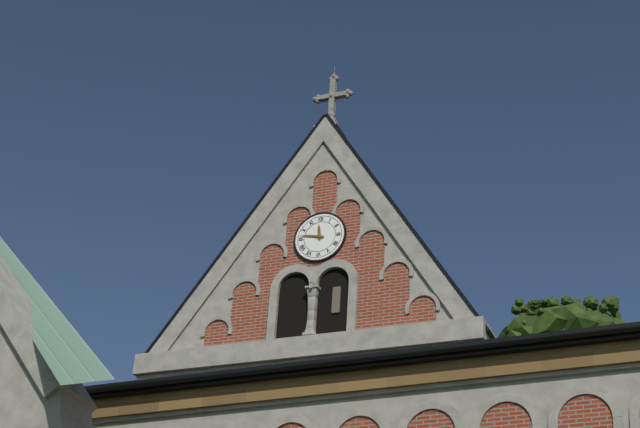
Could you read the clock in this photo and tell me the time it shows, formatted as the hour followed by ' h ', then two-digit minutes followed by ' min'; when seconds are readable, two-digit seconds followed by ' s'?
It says 11 h 47 min
